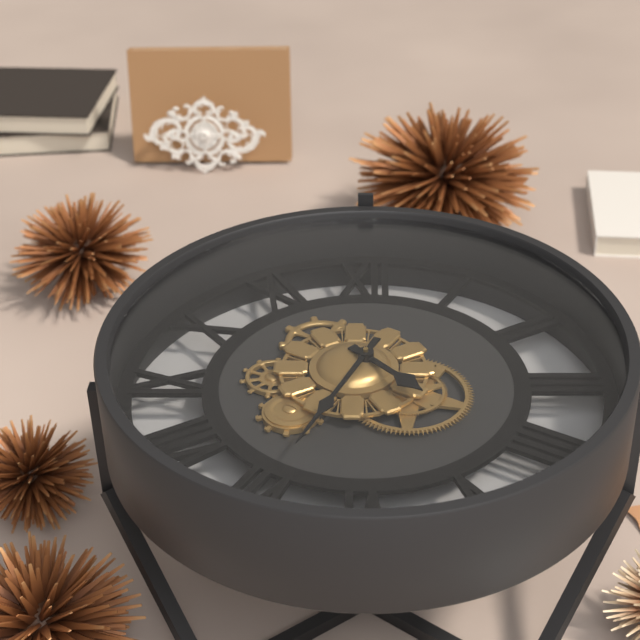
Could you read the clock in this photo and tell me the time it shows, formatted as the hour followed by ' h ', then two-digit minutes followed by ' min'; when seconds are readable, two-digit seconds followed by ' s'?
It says 4 h 34 min
